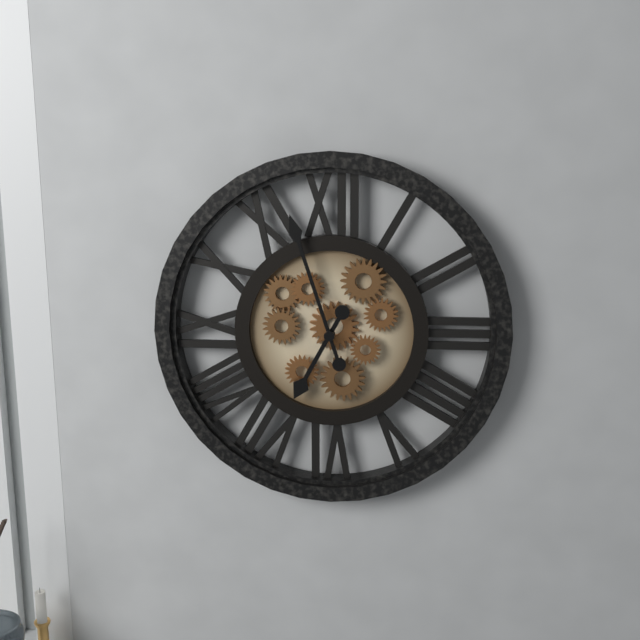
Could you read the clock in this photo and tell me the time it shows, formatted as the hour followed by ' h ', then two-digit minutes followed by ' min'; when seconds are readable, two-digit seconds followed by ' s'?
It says 6 h 57 min
